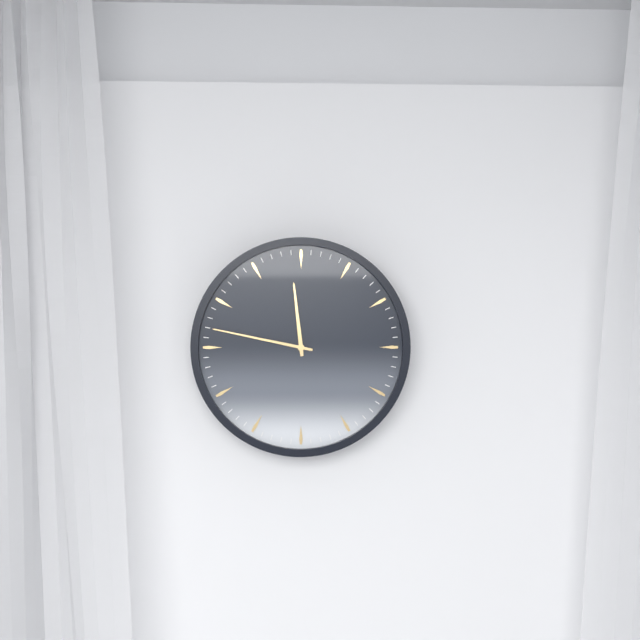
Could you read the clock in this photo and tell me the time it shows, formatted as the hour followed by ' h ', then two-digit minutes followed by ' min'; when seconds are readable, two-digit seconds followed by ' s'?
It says 11 h 47 min
